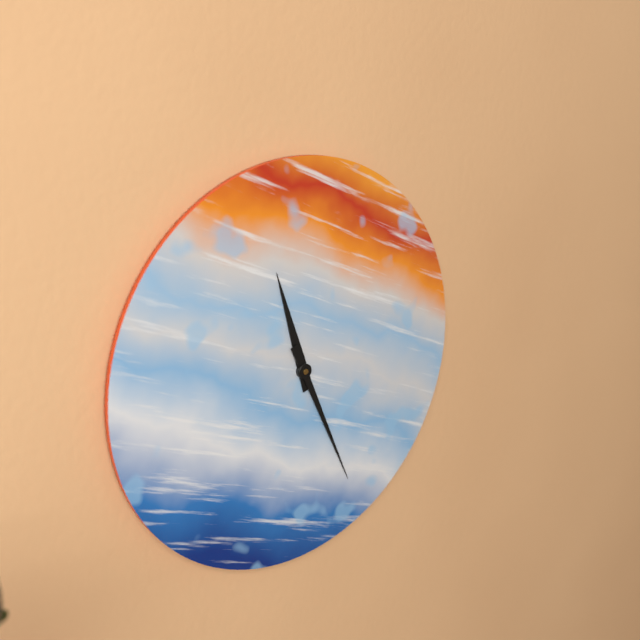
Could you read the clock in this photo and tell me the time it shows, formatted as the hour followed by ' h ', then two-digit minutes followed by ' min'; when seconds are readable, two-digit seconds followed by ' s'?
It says 11 h 26 min
